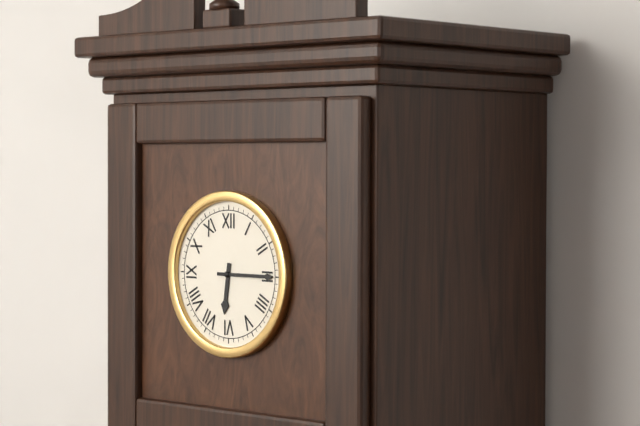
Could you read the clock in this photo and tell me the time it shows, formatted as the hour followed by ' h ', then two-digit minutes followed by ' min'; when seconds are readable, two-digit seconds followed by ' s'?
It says 6 h 15 min
